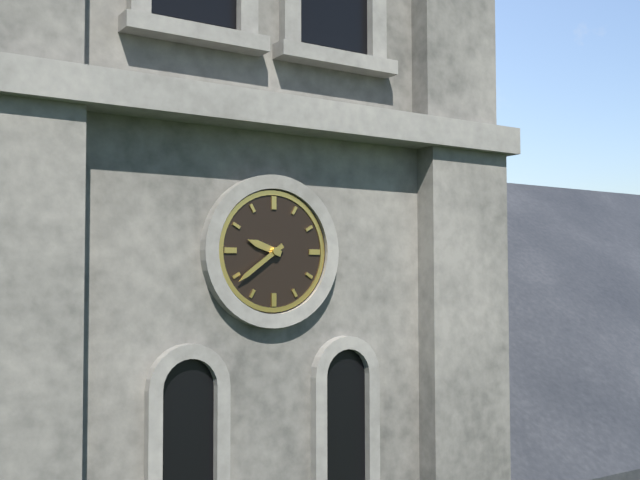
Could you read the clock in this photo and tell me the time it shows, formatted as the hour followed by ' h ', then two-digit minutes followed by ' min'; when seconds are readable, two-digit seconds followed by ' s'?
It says 9 h 39 min
